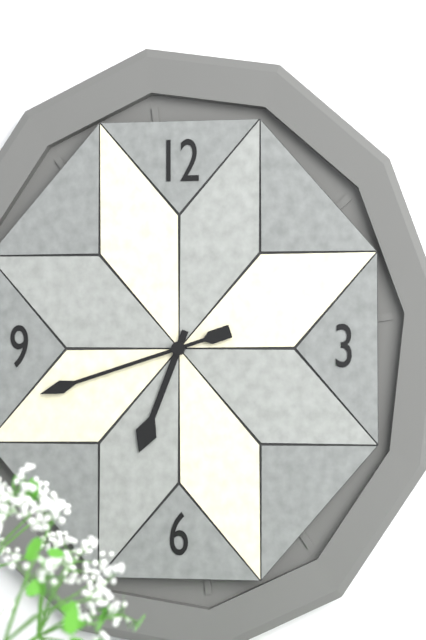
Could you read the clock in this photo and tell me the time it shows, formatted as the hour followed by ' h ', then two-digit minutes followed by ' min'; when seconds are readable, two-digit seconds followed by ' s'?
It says 6 h 42 min
